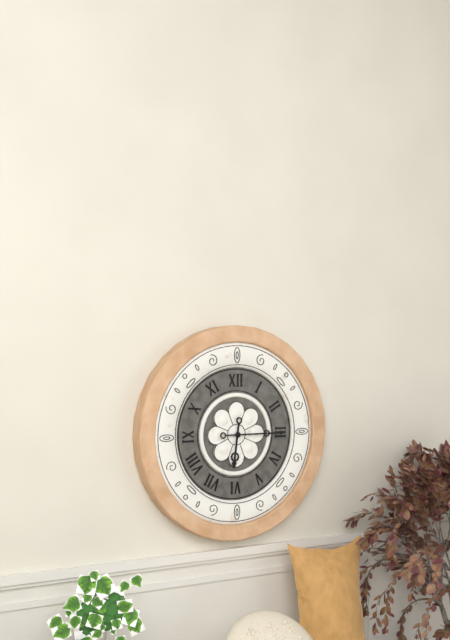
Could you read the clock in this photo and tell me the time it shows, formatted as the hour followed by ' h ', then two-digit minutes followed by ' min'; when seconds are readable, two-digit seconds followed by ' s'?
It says 6 h 15 min
